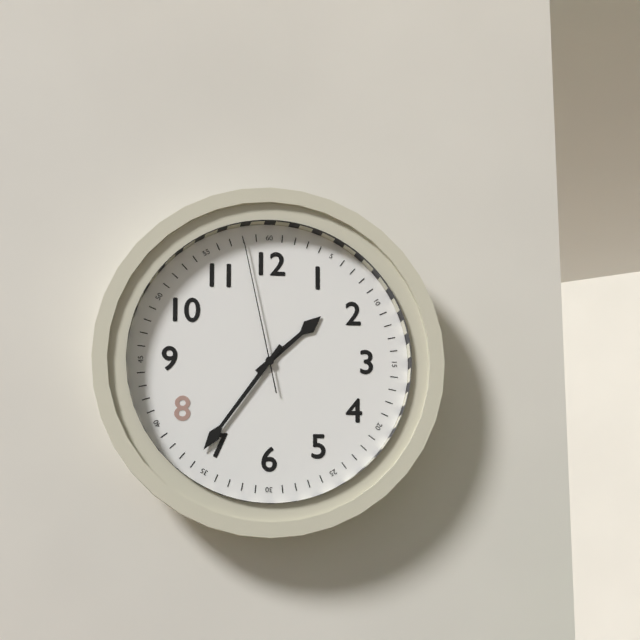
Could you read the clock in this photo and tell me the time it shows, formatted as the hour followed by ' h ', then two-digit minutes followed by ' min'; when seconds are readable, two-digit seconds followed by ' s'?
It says 1 h 36 min 58 s
